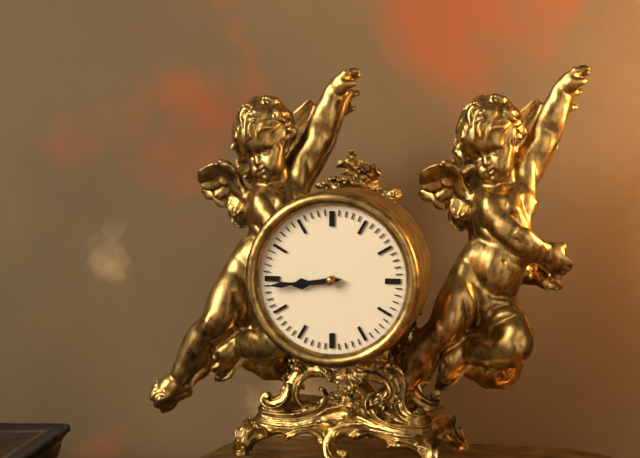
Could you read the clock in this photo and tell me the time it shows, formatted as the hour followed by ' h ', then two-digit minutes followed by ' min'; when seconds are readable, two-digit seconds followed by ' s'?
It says 8 h 44 min
